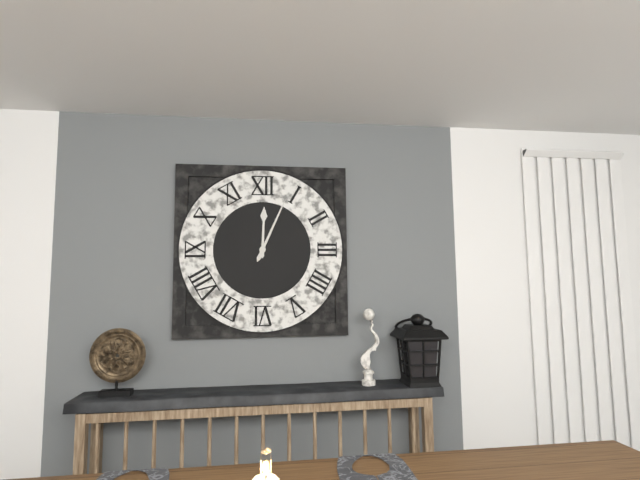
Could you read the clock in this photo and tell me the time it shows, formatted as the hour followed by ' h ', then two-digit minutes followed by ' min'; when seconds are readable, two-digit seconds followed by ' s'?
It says 12 h 04 min
